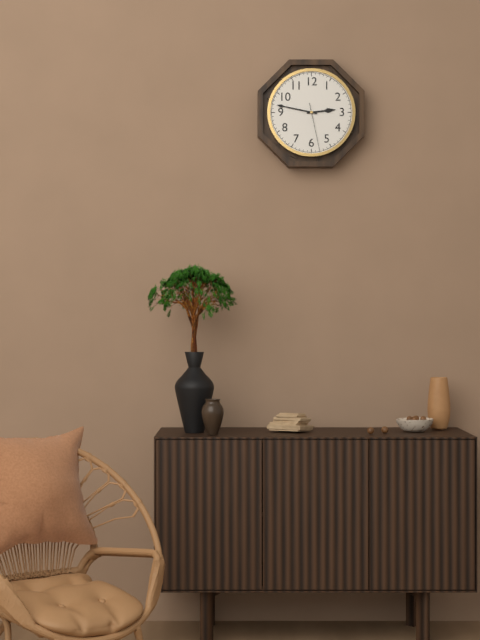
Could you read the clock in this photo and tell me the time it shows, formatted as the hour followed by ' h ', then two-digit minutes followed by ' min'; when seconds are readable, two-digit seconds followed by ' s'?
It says 2 h 47 min
